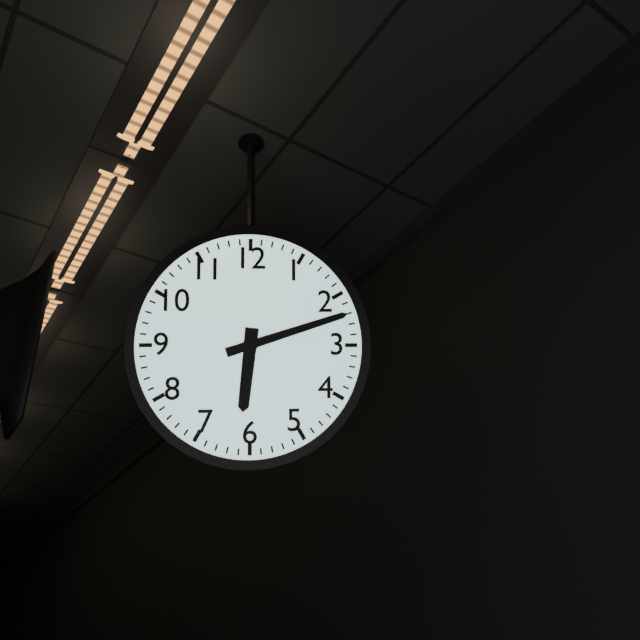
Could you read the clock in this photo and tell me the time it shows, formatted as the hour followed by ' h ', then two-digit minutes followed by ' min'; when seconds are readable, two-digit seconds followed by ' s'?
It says 6 h 12 min
